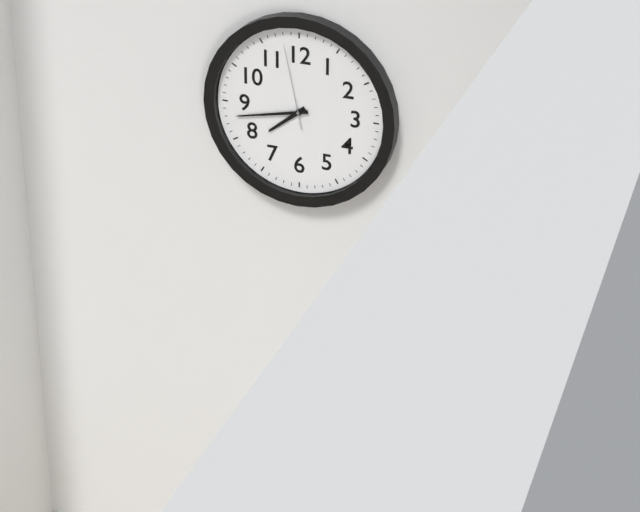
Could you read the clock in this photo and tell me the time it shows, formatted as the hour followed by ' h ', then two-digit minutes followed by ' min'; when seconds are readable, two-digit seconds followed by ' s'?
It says 7 h 43 min 58 s
